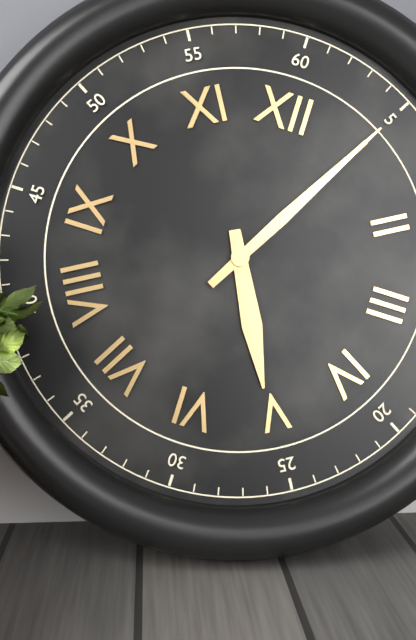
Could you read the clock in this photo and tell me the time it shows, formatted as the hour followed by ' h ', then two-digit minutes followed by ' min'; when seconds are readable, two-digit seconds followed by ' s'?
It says 5 h 05 min
